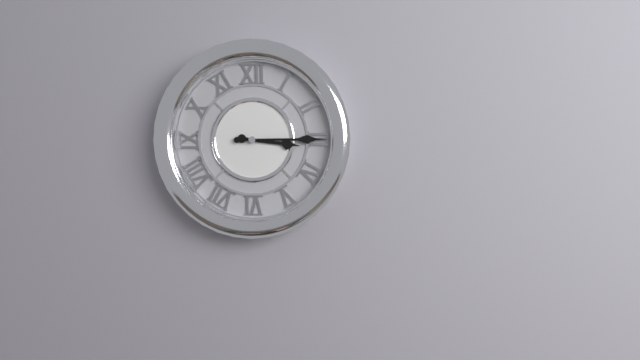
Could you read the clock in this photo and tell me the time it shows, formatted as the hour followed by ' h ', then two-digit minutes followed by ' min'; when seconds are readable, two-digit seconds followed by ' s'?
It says 3 h 15 min
